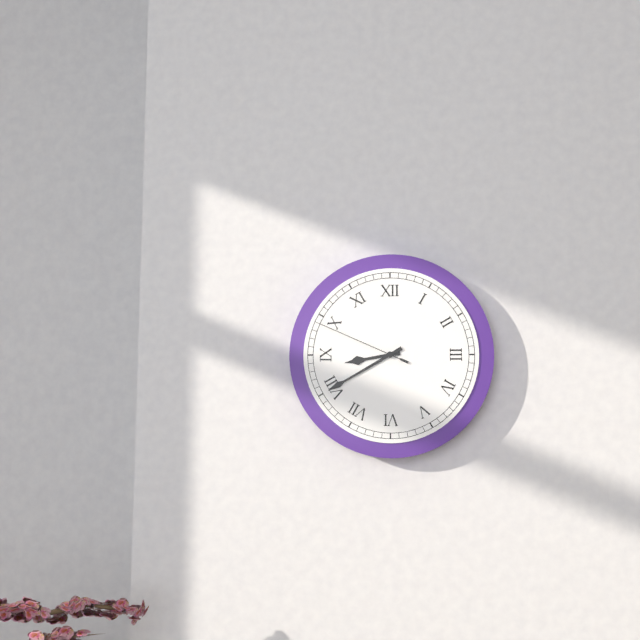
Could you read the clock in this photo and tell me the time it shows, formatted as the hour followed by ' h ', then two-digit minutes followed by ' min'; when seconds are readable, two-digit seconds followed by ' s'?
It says 8 h 40 min 49 s
